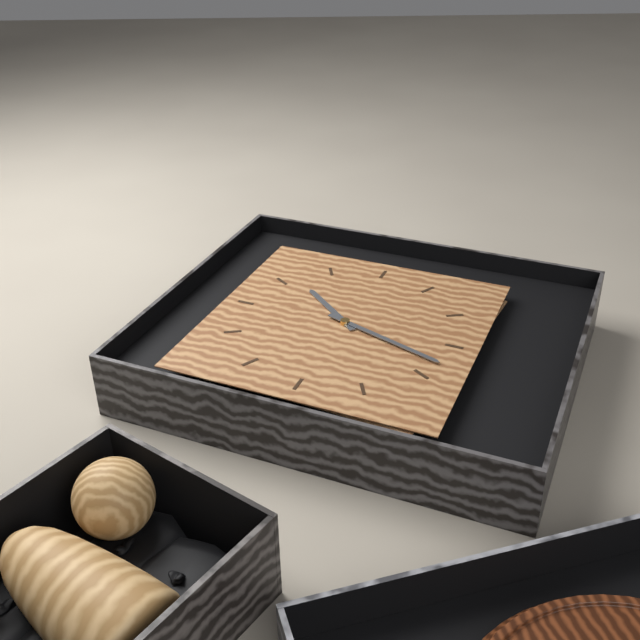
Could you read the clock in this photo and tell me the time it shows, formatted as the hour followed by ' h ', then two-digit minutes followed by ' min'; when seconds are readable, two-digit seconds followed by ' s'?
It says 10 h 18 min
